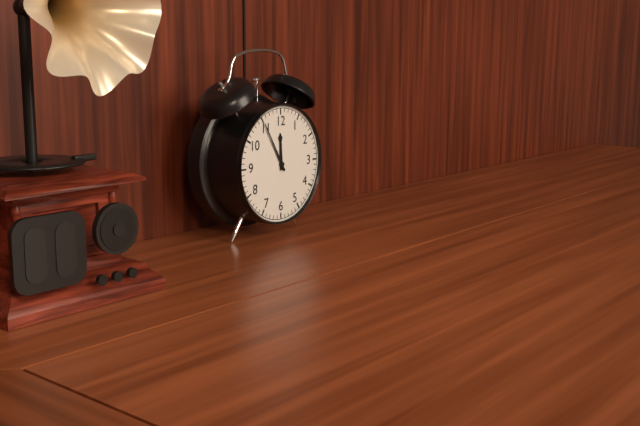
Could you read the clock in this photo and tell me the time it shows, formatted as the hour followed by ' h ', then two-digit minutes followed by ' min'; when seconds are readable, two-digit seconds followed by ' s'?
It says 11 h 55 min
